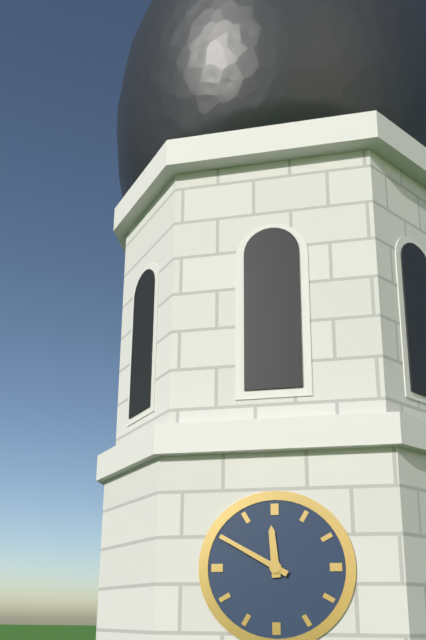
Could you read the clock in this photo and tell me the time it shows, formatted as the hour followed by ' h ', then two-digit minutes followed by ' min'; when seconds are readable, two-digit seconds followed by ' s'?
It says 11 h 50 min
